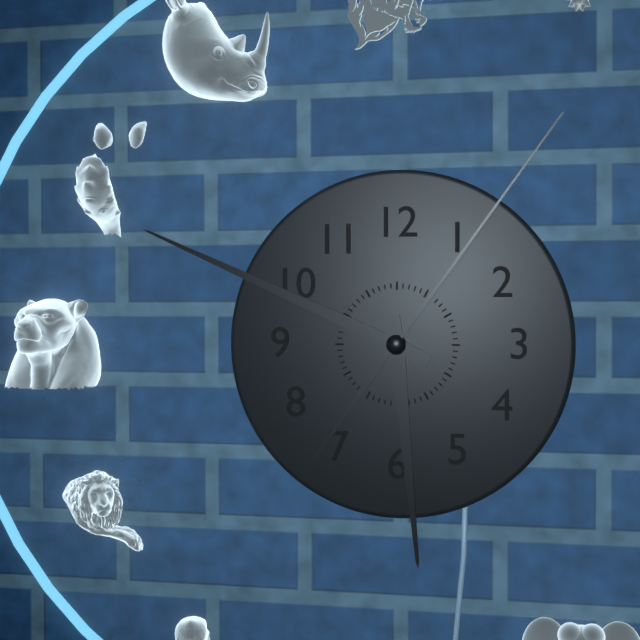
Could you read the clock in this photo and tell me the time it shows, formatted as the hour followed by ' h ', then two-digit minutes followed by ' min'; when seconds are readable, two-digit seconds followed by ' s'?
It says 5 h 49 min 06 s
